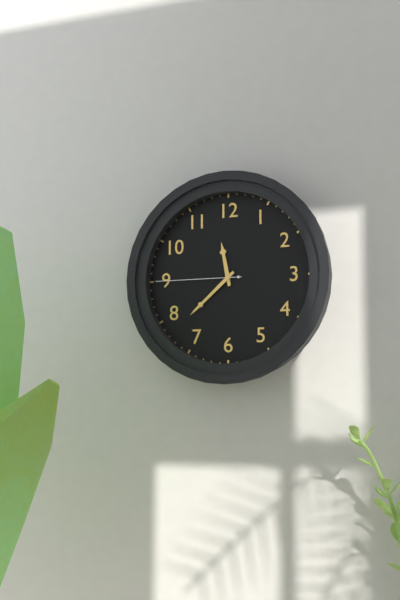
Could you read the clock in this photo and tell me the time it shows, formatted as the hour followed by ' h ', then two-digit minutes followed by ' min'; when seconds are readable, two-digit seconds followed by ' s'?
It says 11 h 38 min 45 s
